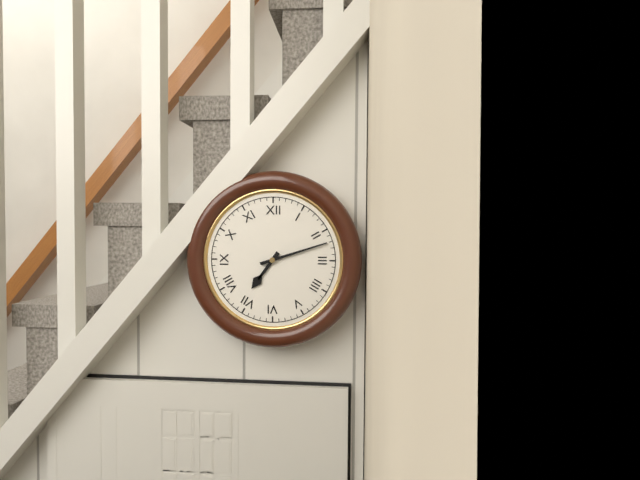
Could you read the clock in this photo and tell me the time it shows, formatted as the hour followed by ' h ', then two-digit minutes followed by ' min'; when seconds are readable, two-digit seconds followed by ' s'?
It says 7 h 12 min
